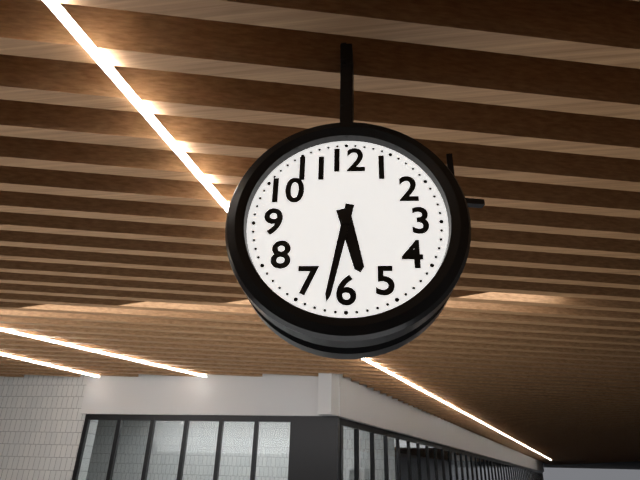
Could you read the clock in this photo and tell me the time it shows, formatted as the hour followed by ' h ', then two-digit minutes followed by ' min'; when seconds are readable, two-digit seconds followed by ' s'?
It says 5 h 32 min
